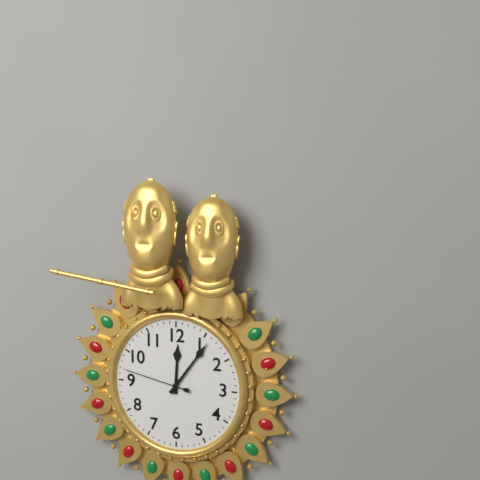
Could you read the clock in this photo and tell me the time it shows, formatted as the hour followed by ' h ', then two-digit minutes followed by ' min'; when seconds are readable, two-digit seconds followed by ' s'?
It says 12 h 06 min 47 s
